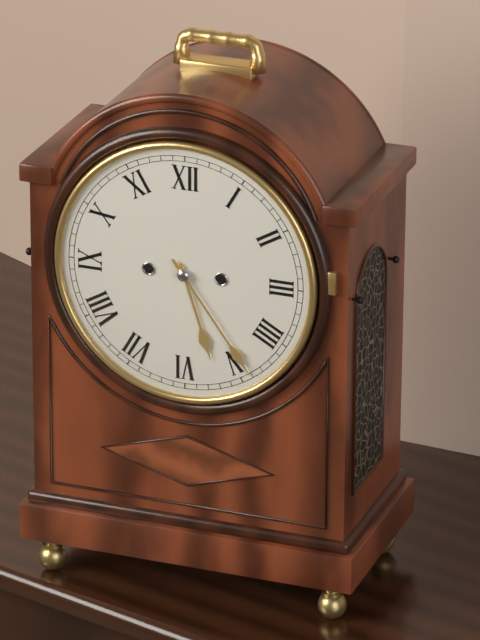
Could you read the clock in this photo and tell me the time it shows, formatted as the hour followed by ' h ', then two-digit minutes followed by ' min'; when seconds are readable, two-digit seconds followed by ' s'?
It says 5 h 24 min
